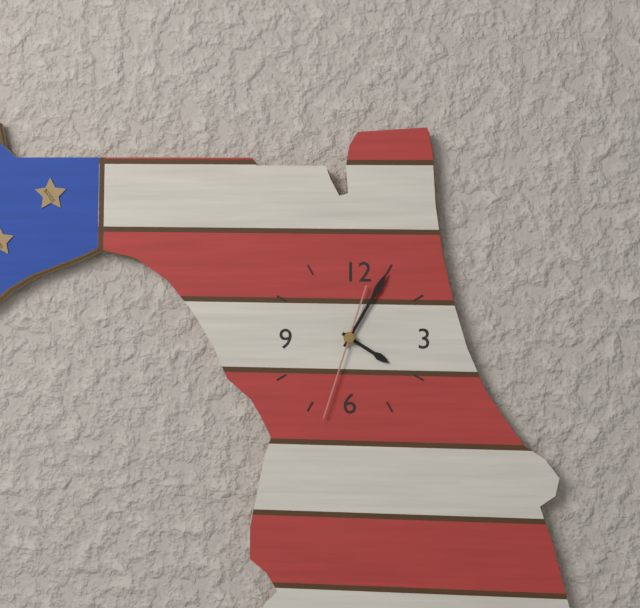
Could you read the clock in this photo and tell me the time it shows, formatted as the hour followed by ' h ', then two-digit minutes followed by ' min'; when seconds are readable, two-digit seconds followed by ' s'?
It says 4 h 05 min 33 s
